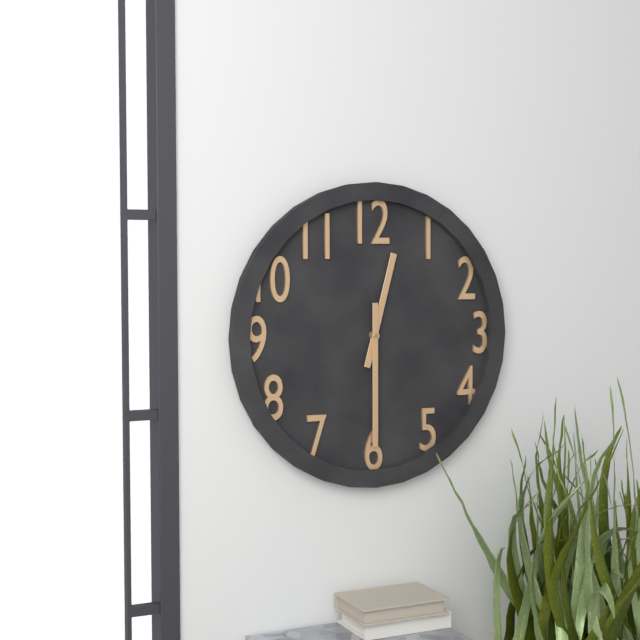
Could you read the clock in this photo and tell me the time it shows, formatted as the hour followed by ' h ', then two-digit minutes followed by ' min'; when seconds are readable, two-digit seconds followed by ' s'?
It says 12 h 30 min
